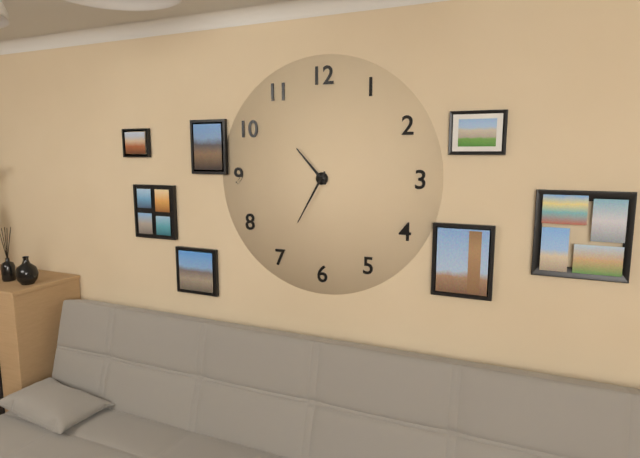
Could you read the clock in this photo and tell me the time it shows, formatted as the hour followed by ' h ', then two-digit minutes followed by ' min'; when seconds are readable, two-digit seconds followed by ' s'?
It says 10 h 35 min
